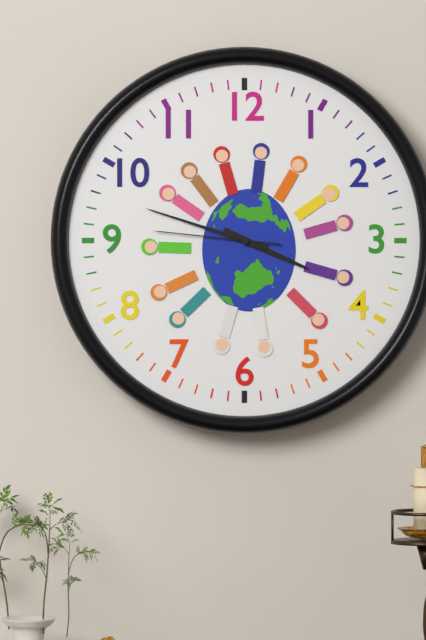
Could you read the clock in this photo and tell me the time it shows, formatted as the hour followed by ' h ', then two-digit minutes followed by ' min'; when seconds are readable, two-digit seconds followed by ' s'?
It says 3 h 48 min 46 s
